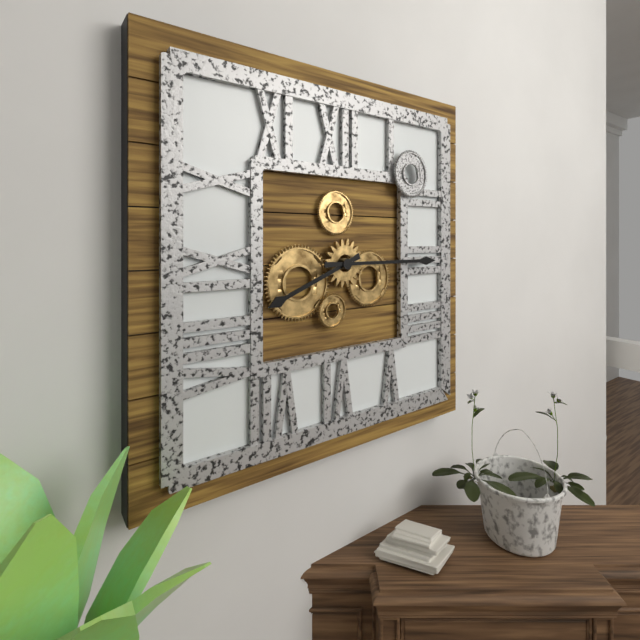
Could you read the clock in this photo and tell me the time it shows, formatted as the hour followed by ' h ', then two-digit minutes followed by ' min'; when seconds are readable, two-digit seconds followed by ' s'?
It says 8 h 15 min
